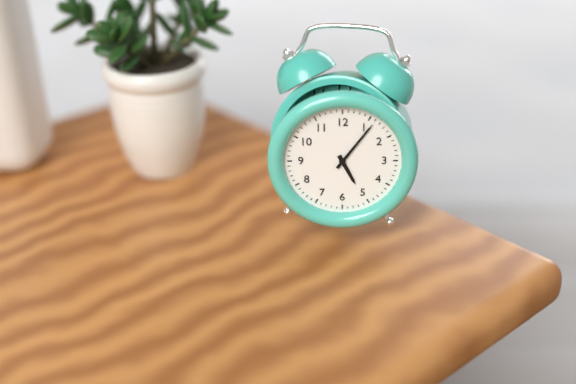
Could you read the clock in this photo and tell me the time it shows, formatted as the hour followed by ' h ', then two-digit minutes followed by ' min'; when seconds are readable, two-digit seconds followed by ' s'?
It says 5 h 06 min
